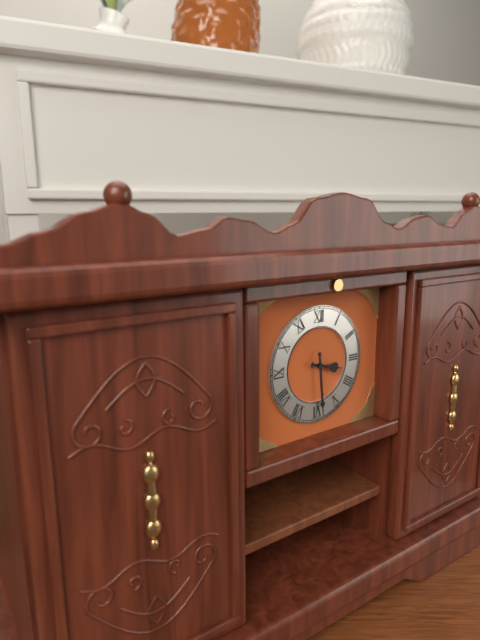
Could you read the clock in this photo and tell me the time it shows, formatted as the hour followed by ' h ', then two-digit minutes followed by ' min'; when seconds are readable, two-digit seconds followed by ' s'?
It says 3 h 29 min
